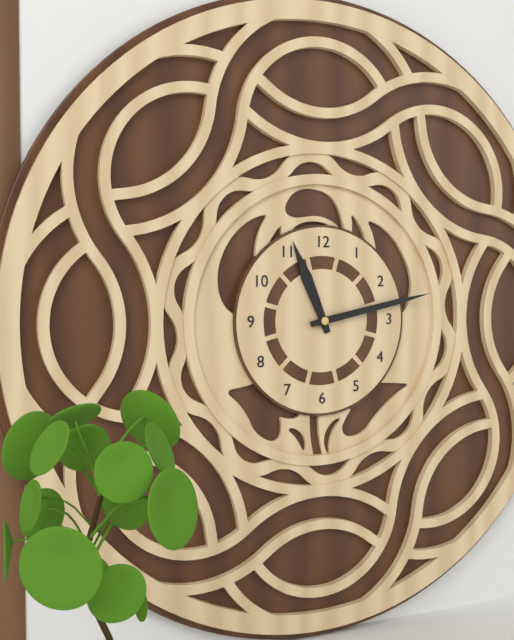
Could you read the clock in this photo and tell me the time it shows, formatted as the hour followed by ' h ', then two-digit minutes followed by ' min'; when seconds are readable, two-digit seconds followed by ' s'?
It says 11 h 13 min
